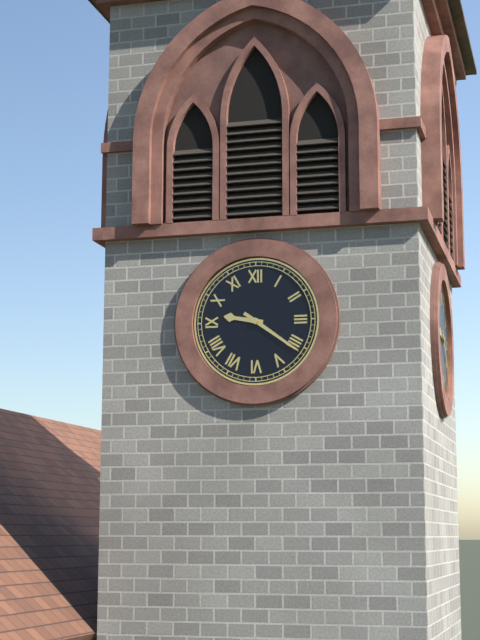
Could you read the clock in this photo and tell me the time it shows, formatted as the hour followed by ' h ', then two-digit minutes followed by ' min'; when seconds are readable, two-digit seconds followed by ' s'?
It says 9 h 21 min
